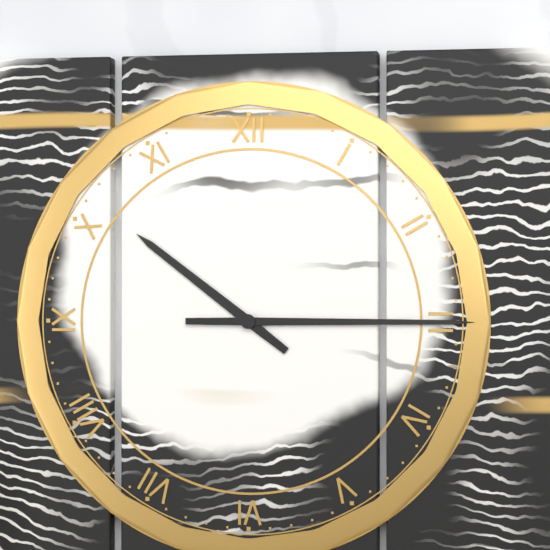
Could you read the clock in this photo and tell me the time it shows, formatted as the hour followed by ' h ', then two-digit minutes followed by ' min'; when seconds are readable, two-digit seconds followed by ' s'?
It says 10 h 15 min
